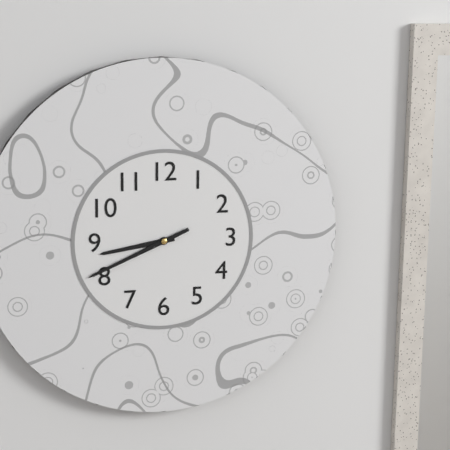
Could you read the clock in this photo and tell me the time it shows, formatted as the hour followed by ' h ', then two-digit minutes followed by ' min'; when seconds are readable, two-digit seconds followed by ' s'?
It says 8 h 41 min
